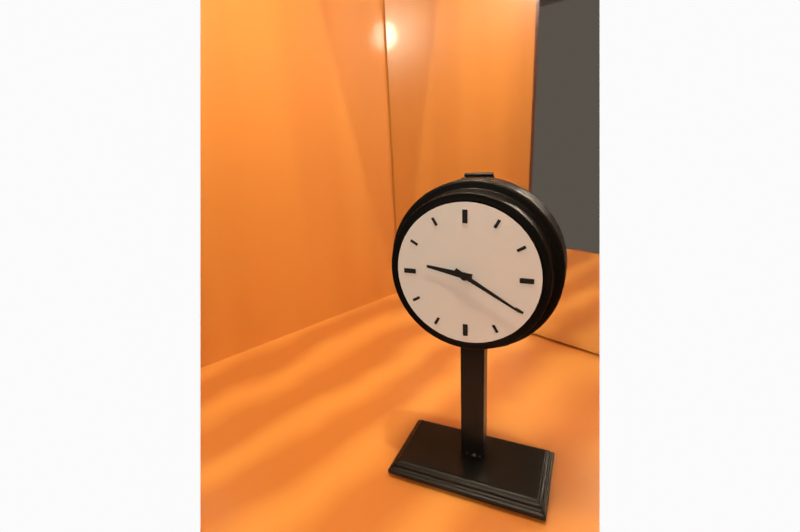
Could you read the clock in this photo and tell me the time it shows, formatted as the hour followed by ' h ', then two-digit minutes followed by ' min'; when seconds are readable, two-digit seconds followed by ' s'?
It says 9 h 20 min
